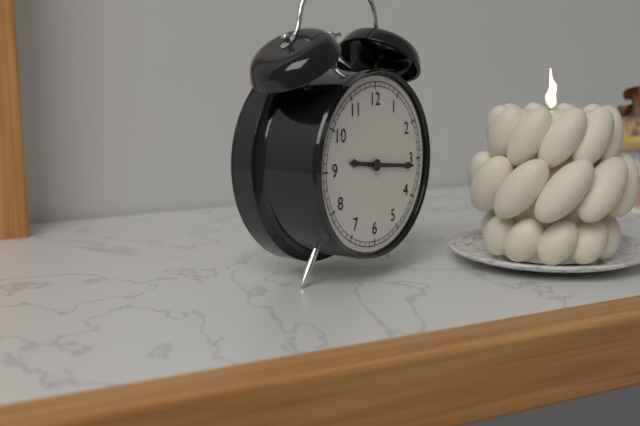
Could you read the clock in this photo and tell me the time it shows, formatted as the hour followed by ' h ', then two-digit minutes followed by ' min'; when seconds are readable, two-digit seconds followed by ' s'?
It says 9 h 16 min
